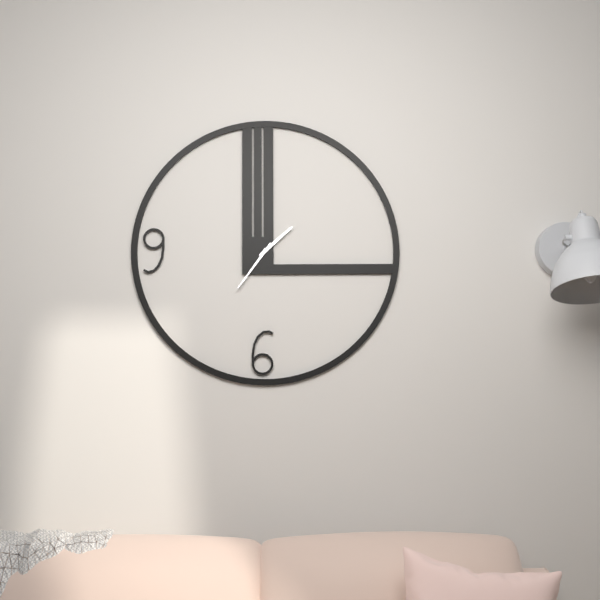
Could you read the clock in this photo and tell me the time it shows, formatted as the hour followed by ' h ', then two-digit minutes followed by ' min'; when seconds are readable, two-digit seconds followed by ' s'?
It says 1 h 36 min
